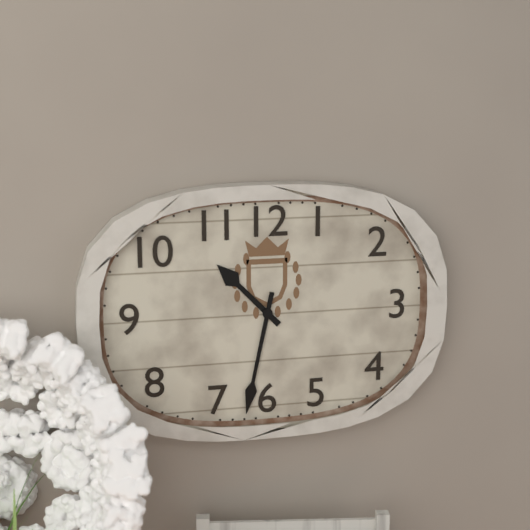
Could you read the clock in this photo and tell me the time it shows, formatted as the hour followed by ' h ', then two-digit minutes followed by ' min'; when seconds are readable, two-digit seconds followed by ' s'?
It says 10 h 32 min
